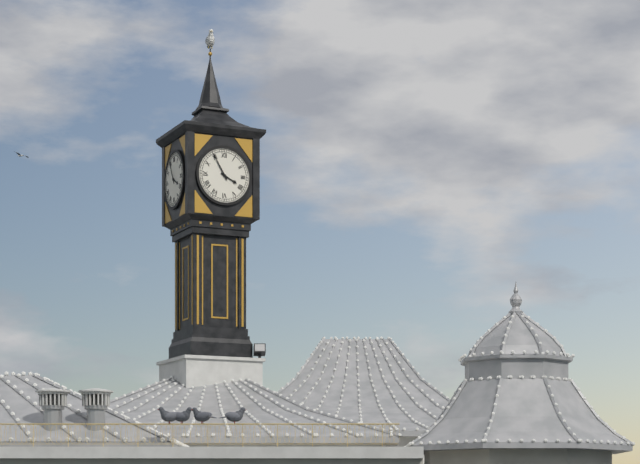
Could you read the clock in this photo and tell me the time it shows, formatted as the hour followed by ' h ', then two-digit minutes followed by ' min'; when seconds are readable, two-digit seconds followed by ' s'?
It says 3 h 55 min
